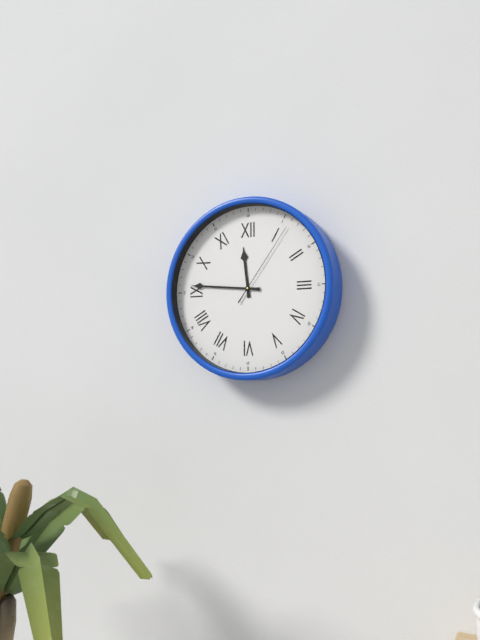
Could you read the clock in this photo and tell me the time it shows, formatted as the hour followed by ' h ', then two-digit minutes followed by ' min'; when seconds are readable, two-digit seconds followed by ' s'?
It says 11 h 46 min 06 s
